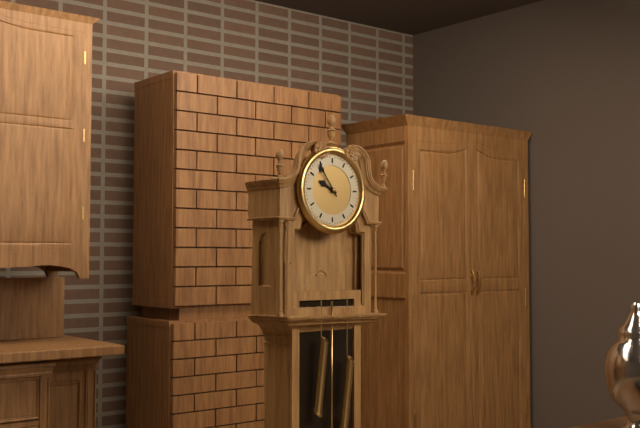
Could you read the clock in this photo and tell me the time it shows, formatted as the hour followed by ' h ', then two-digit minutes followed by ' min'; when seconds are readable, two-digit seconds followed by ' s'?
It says 9 h 54 min
